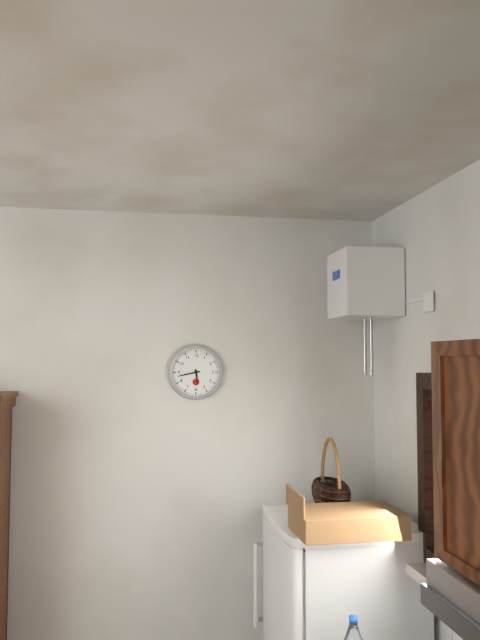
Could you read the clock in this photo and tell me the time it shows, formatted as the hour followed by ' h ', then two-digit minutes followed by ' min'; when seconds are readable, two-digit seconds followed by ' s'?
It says 5 h 43 min
